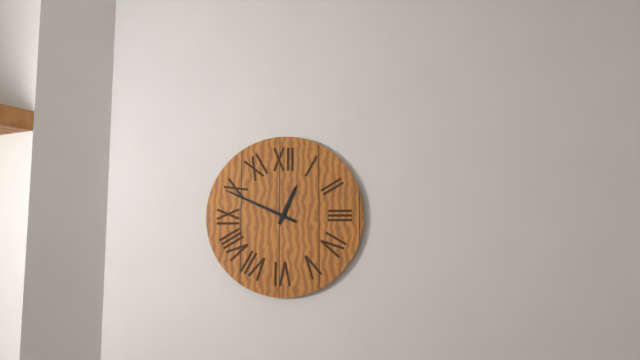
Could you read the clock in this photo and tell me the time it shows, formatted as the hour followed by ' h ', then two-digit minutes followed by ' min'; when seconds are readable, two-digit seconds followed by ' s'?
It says 12 h 49 min
